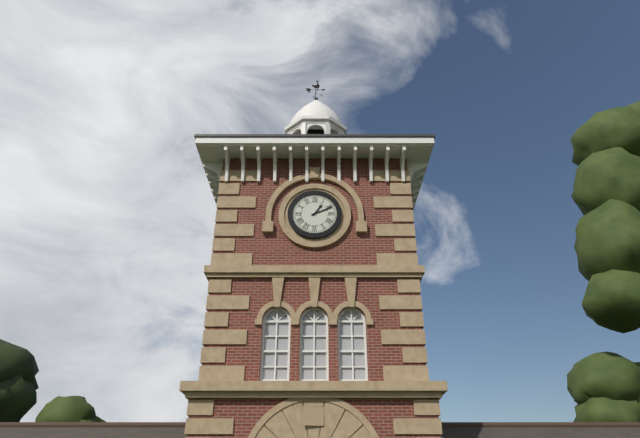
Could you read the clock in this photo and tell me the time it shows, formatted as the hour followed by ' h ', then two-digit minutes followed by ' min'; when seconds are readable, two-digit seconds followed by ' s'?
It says 1 h 11 min
